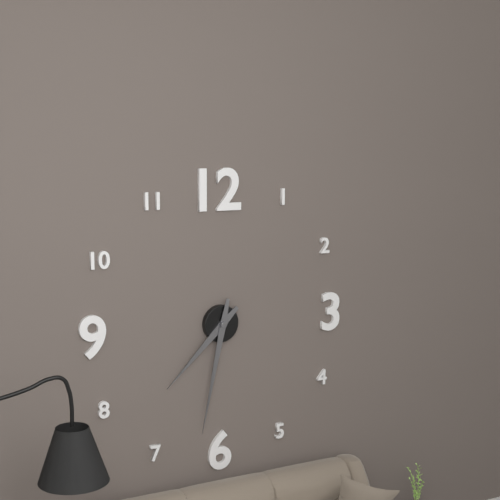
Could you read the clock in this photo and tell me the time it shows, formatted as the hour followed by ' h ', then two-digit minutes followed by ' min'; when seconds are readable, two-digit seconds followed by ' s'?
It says 7 h 32 min
